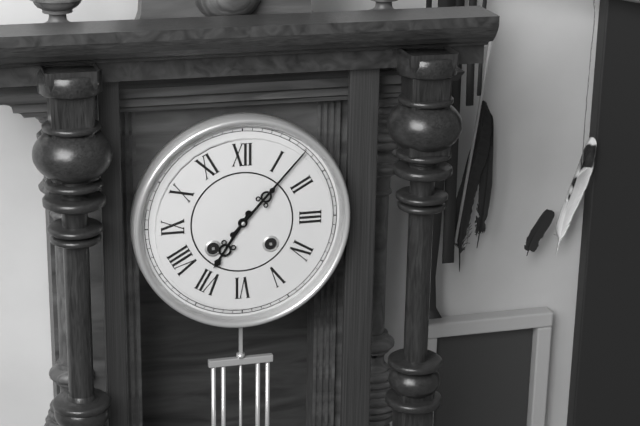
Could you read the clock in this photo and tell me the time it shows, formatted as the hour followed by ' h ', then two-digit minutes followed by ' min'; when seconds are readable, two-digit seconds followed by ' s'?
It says 7 h 07 min
